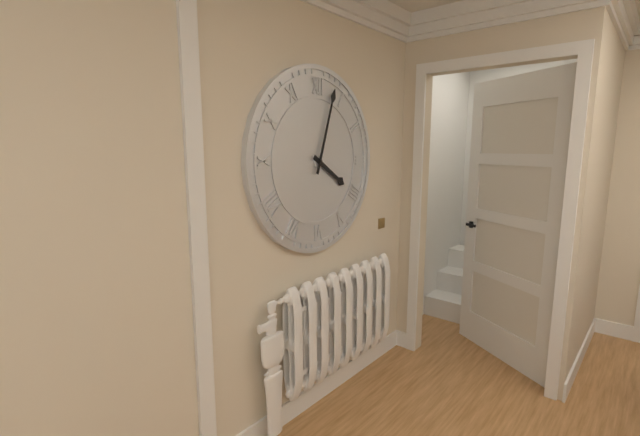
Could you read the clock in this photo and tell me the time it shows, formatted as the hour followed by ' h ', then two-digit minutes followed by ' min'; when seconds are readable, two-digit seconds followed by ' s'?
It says 4 h 03 min
